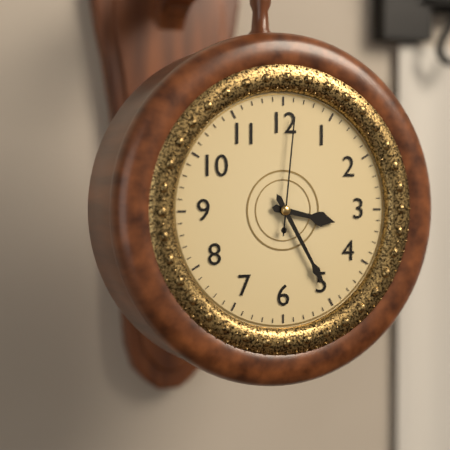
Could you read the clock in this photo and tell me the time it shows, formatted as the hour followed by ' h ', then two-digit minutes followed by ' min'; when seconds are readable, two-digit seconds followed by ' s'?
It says 3 h 25 min 01 s
